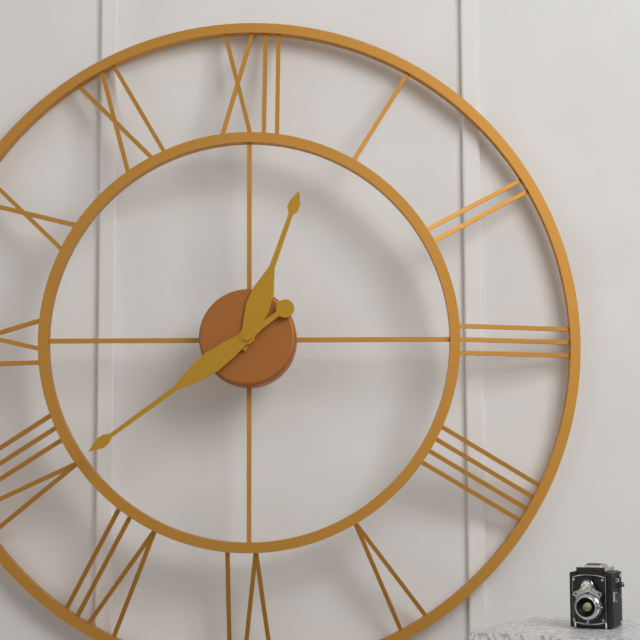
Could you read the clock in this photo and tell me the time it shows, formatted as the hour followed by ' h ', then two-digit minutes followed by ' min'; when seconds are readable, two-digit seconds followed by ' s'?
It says 12 h 39 min
